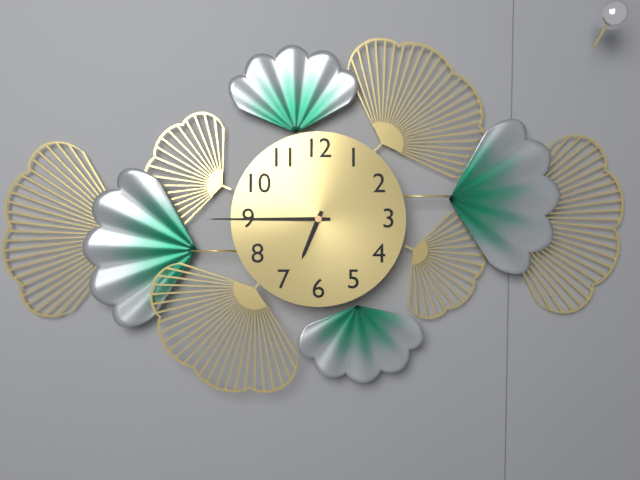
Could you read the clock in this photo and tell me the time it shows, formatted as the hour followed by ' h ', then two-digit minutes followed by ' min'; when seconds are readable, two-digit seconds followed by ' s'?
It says 6 h 45 min
